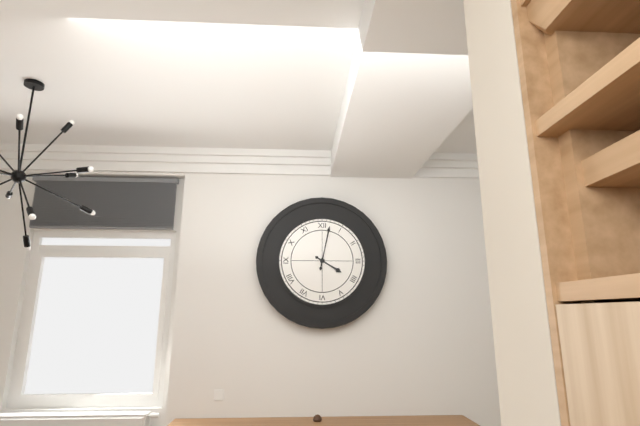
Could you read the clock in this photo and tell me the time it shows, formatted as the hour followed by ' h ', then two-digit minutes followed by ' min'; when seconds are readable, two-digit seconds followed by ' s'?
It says 4 h 02 min
